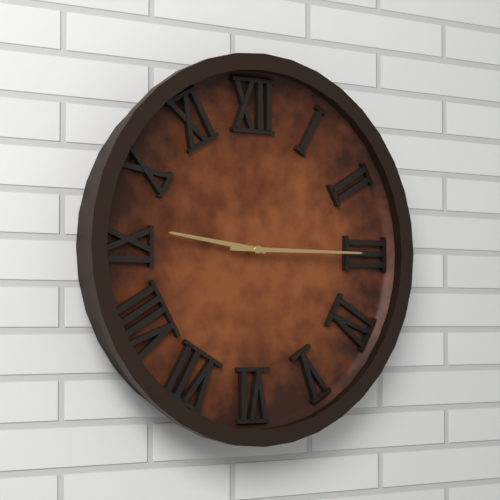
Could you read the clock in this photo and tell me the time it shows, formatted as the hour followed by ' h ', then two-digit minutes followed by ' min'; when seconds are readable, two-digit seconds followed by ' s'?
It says 9 h 15 min
